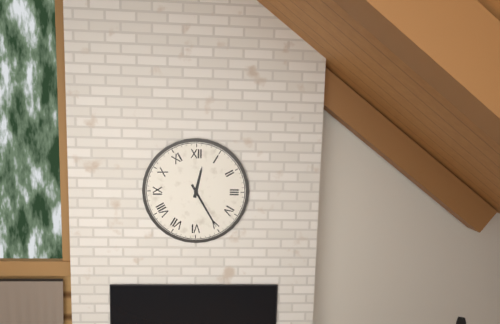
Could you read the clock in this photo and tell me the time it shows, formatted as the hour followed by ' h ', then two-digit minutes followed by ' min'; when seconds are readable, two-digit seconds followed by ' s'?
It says 12 h 25 min
